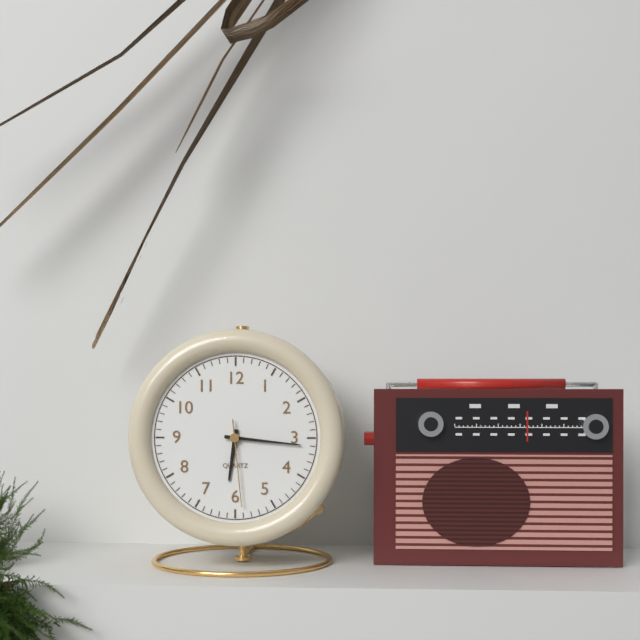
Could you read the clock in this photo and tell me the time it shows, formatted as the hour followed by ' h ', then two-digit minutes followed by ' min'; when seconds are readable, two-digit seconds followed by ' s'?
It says 6 h 16 min 29 s
